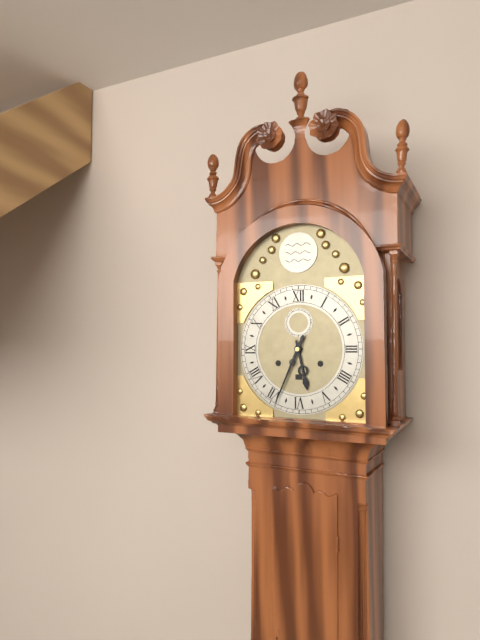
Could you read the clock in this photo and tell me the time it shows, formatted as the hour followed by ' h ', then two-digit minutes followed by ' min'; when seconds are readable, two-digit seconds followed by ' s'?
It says 5 h 34 min
